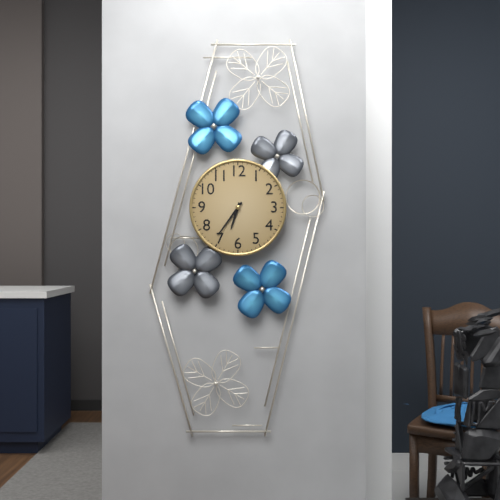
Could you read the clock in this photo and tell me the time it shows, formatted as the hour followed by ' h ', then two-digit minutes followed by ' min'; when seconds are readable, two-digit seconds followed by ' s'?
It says 6 h 36 min
